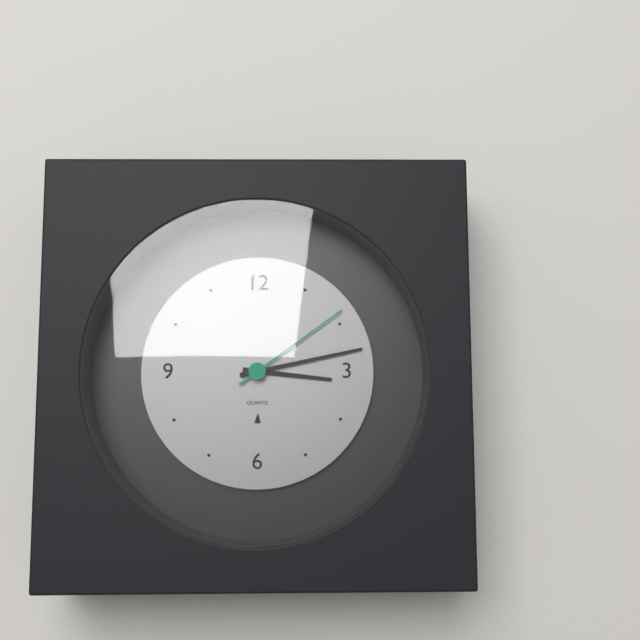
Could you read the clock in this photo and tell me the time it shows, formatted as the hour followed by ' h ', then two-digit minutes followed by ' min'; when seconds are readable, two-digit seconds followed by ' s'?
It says 3 h 13 min 09 s
